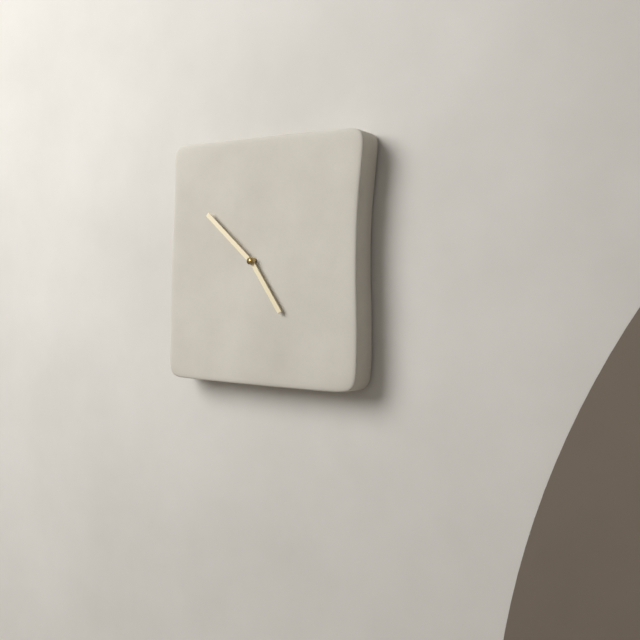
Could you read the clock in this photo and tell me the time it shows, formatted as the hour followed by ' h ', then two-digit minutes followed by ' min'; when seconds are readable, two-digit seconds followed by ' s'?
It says 4 h 52 min
